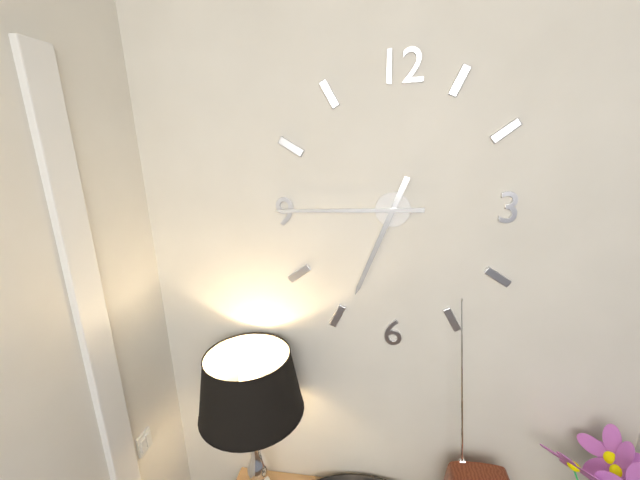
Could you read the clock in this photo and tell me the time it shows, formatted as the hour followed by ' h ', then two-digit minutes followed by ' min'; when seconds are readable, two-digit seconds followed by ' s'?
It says 6 h 45 min
